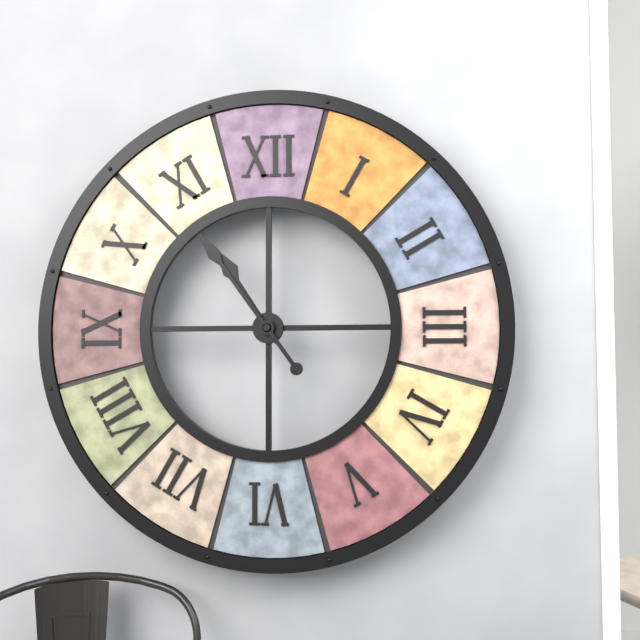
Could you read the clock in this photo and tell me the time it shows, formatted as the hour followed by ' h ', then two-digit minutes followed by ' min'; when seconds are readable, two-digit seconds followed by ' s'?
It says 10 h 54 min
